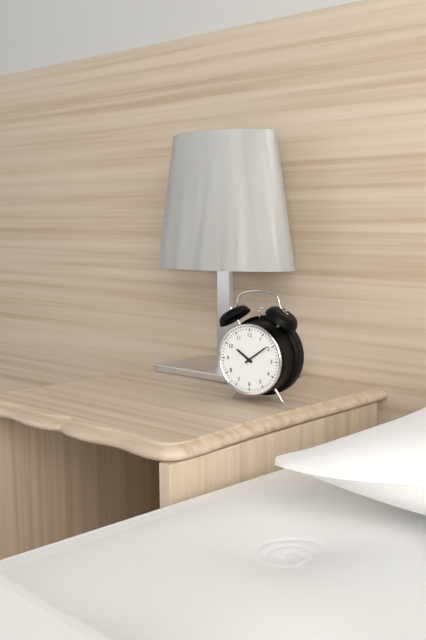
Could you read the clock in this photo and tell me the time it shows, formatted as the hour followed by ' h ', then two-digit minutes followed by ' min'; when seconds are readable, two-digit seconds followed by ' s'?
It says 10 h 09 min
